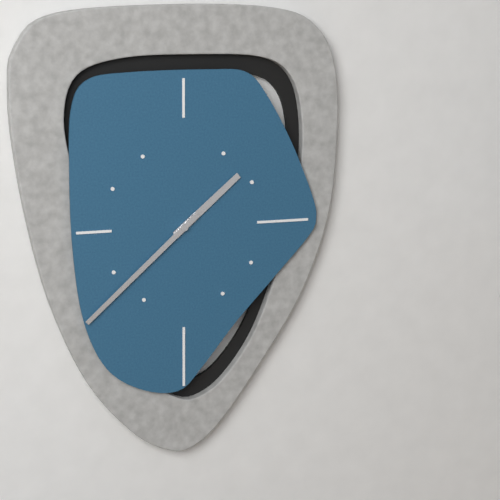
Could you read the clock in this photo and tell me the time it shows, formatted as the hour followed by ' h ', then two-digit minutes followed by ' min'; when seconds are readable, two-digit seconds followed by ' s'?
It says 1 h 38 min
